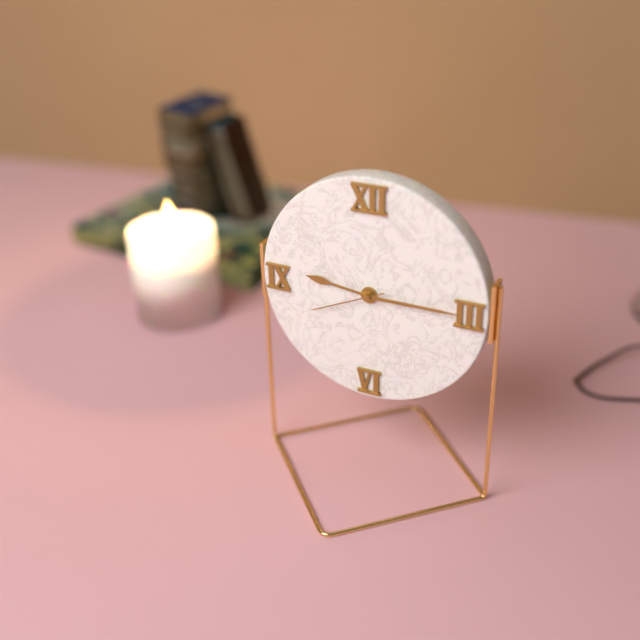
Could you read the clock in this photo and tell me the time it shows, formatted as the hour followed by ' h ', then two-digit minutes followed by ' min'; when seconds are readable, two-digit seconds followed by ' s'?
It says 9 h 15 min 41 s
